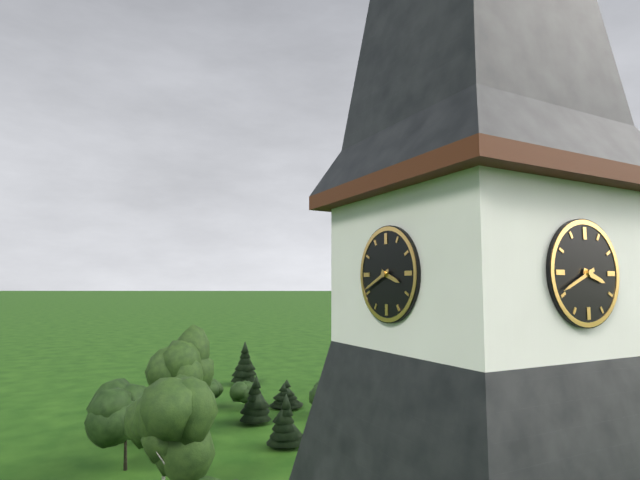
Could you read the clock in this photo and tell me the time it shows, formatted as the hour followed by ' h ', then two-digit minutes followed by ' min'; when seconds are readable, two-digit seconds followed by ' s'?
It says 3 h 41 min
